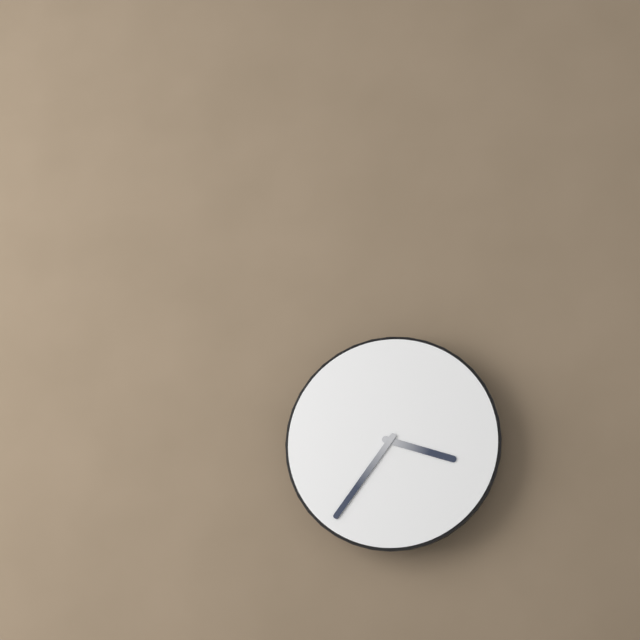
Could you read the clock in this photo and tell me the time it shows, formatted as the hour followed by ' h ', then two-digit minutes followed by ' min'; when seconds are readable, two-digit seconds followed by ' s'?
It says 3 h 36 min
